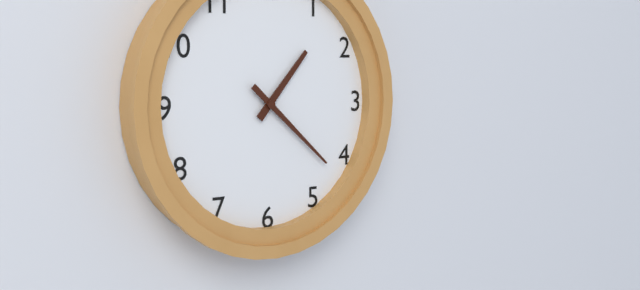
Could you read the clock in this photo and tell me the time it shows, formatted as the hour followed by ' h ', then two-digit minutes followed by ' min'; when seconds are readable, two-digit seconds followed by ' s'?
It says 1 h 22 min
